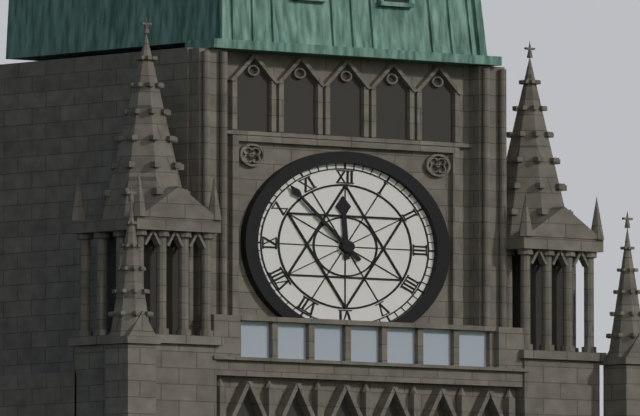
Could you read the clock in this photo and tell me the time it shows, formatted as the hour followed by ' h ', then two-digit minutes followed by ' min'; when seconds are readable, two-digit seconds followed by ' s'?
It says 11 h 53 min
